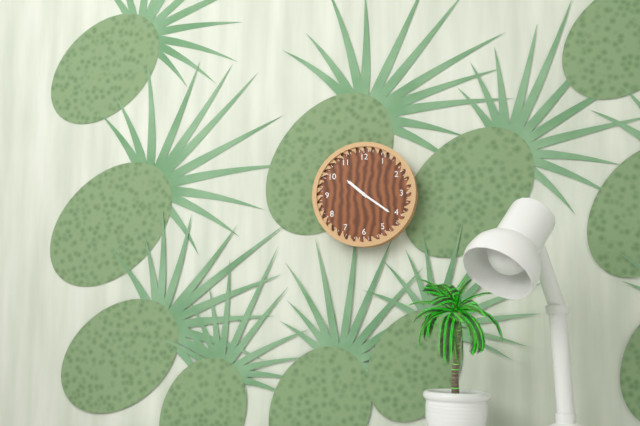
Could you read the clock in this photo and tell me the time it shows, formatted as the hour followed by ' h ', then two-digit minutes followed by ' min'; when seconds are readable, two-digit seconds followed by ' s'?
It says 10 h 21 min
